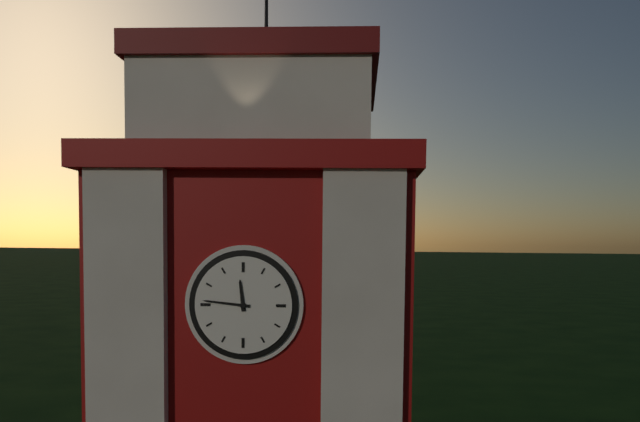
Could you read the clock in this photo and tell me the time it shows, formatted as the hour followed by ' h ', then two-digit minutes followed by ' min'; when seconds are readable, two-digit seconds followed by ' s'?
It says 11 h 46 min
